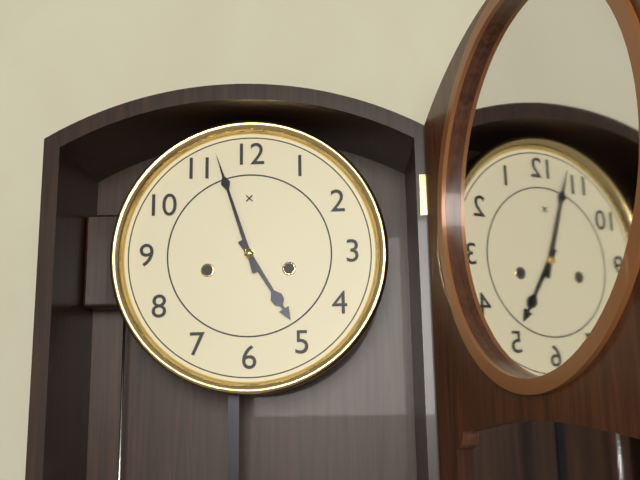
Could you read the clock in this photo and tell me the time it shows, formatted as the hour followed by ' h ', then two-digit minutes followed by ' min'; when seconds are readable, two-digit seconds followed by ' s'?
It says 4 h 57 min
